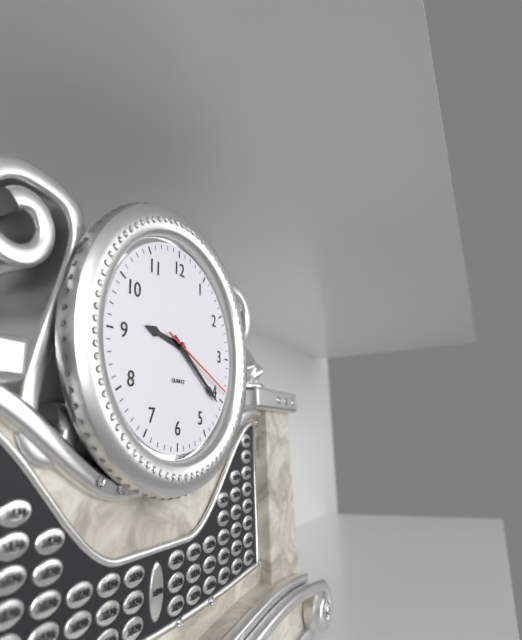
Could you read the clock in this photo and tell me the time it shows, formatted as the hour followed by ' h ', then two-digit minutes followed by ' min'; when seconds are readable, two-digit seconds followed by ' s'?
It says 9 h 21 min 19 s
